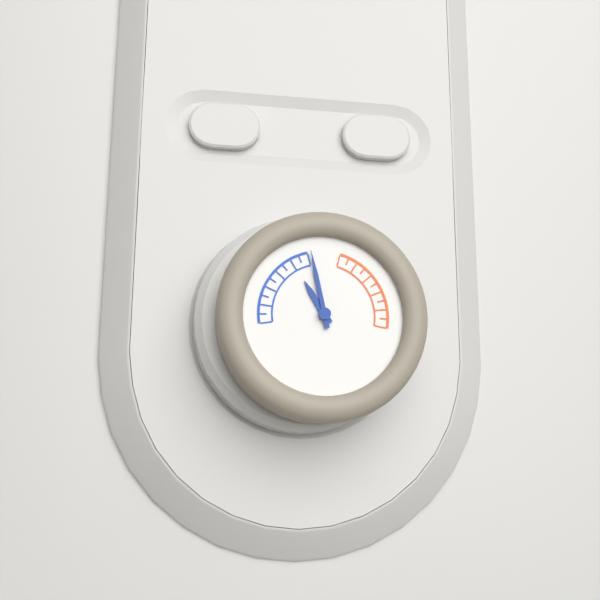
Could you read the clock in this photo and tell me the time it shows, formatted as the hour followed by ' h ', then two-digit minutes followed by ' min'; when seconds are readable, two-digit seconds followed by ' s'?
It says 10 h 58 min
